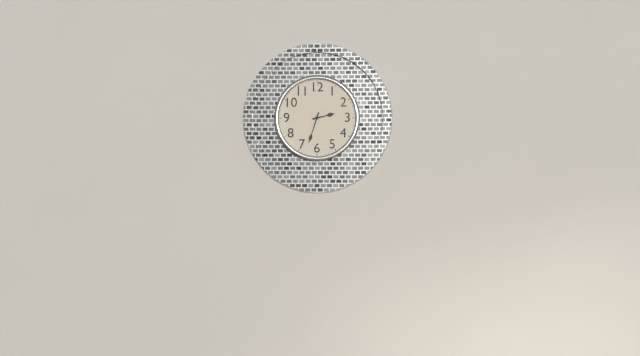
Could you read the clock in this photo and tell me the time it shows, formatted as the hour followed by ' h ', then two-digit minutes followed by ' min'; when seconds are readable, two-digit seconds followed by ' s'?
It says 2 h 33 min
